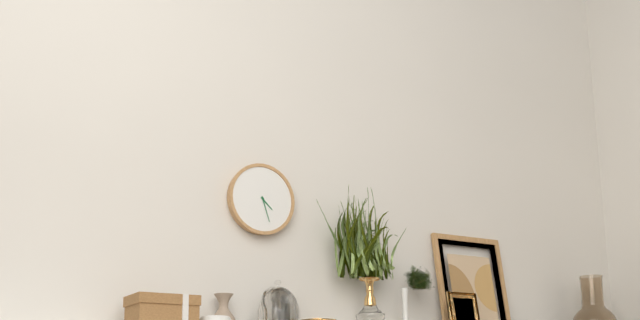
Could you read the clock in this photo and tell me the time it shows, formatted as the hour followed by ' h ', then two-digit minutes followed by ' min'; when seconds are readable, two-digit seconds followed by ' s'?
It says 4 h 27 min
